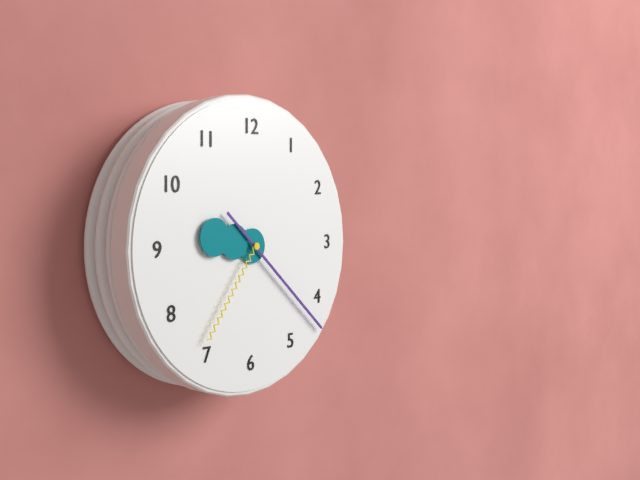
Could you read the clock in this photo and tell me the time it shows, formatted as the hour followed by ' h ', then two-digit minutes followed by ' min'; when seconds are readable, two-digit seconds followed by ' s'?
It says 9 h 22 min 36 s
